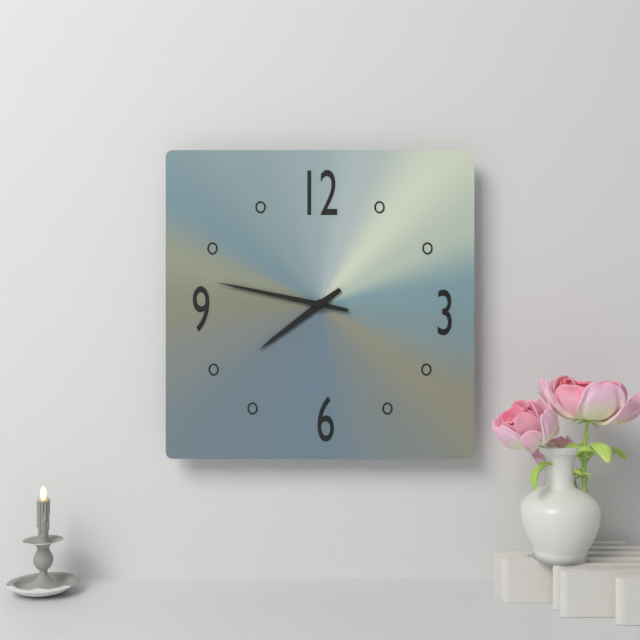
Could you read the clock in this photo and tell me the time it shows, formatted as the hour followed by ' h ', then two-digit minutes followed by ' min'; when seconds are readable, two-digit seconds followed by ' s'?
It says 7 h 47 min
